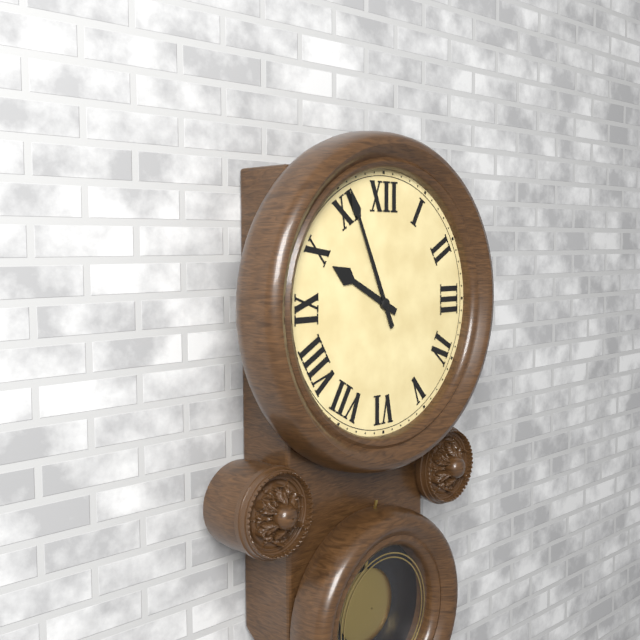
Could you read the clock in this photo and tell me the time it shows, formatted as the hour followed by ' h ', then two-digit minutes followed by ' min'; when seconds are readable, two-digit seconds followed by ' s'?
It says 9 h 56 min
